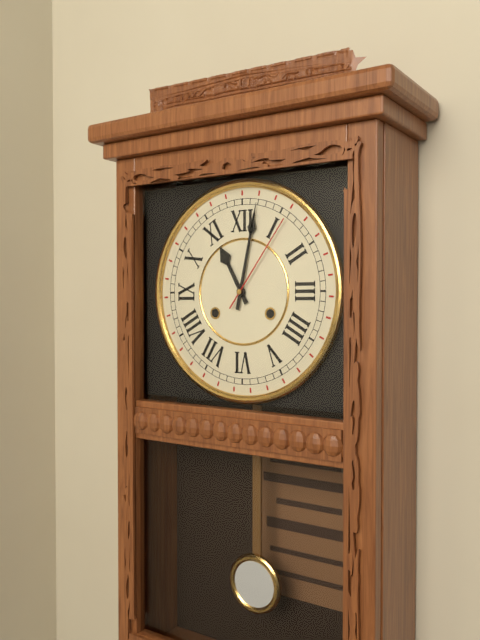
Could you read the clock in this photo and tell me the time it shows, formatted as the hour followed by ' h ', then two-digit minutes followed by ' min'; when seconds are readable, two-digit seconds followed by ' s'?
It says 11 h 02 min 06 s
